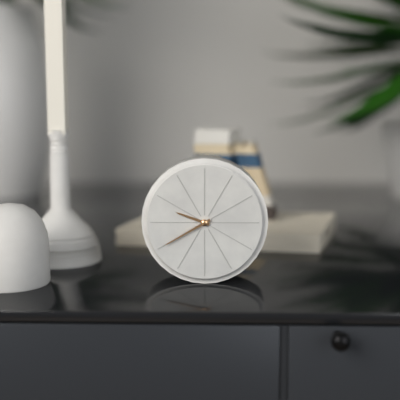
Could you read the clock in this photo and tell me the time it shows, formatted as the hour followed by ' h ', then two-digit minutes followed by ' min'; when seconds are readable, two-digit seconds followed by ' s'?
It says 9 h 40 min
